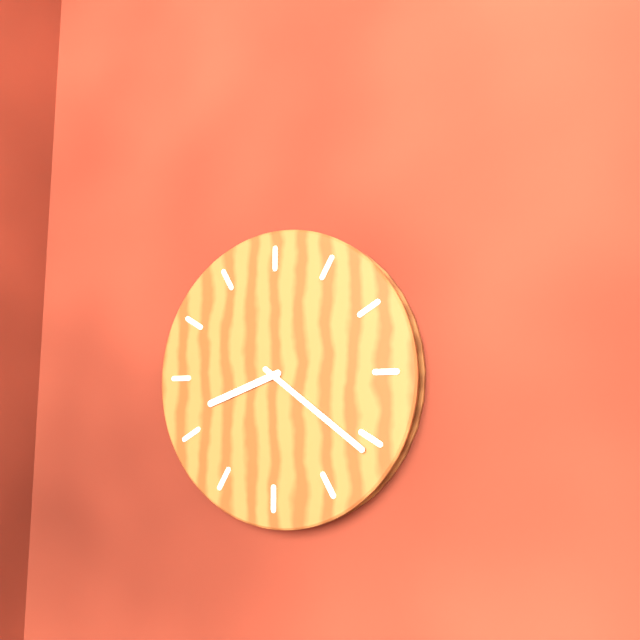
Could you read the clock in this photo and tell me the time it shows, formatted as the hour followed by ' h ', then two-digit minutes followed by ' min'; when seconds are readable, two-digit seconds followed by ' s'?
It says 8 h 21 min
